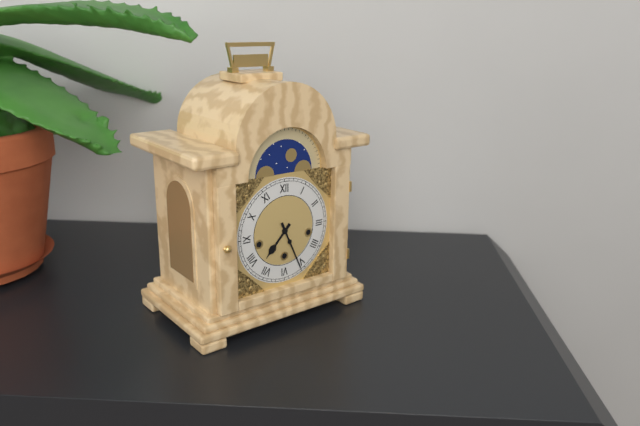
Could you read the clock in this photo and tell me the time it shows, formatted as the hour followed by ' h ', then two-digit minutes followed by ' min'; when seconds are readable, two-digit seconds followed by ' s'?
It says 7 h 26 min
